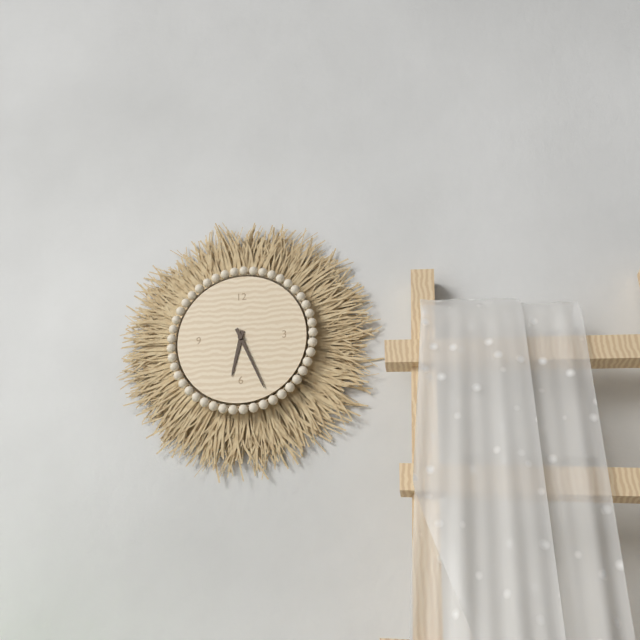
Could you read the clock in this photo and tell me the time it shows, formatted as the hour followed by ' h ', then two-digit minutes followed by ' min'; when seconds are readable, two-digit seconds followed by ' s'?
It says 6 h 26 min
